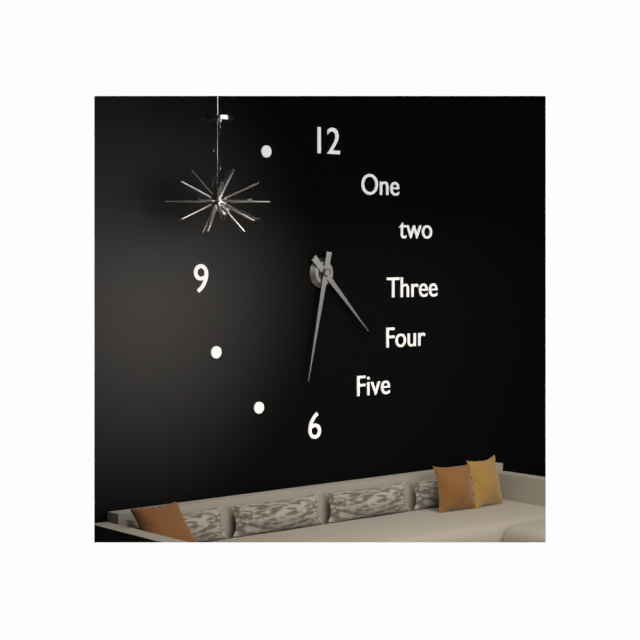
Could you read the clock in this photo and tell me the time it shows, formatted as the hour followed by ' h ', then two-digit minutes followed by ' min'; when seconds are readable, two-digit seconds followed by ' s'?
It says 4 h 32 min
